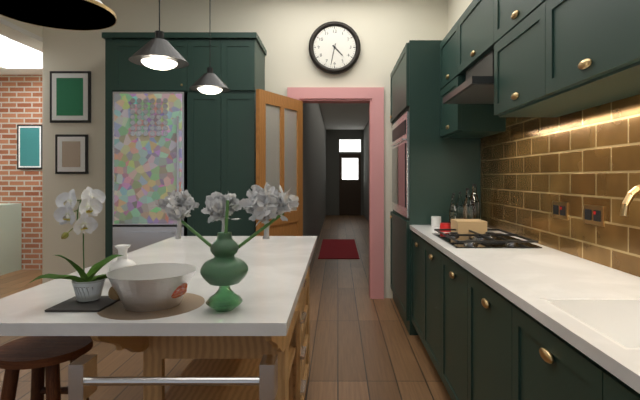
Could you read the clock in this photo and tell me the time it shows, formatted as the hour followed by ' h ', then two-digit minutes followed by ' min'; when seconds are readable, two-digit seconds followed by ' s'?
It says 4 h 32 min
